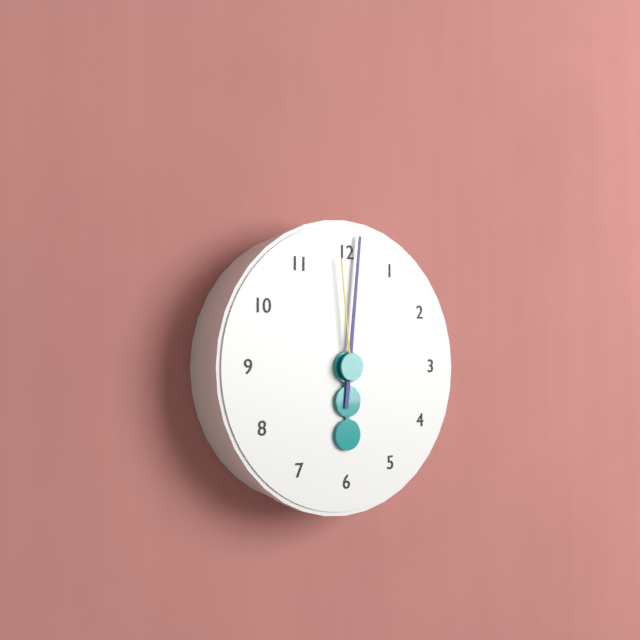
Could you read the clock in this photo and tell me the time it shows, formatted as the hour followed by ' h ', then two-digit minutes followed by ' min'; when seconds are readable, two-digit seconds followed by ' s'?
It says 6 h 01 min 59 s
